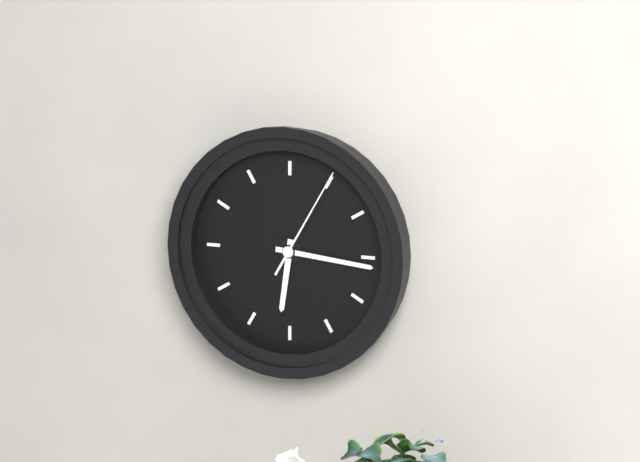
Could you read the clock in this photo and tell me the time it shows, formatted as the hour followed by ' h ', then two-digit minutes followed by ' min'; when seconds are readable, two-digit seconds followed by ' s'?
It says 6 h 16 min 05 s
